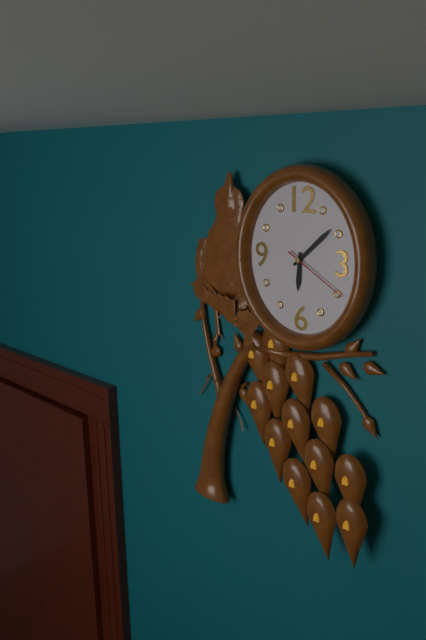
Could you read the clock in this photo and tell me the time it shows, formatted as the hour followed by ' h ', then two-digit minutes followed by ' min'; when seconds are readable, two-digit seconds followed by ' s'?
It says 6 h 08 min 20 s
